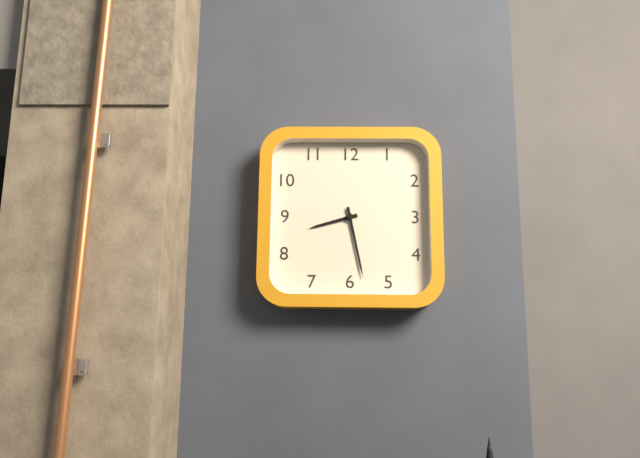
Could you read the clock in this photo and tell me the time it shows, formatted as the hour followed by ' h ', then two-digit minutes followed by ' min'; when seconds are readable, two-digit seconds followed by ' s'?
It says 8 h 28 min
